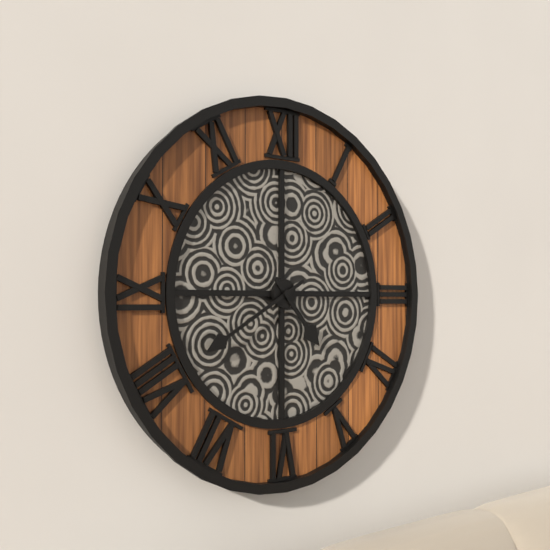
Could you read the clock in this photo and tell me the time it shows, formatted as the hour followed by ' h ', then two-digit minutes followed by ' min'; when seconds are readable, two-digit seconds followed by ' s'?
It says 4 h 40 min
